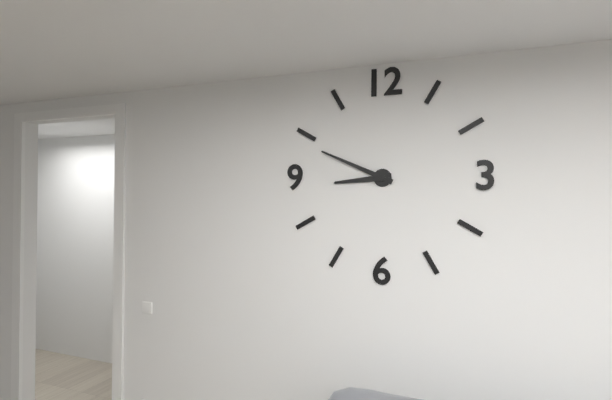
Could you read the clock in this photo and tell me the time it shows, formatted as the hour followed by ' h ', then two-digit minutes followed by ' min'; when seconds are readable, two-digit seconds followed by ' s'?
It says 8 h 49 min
